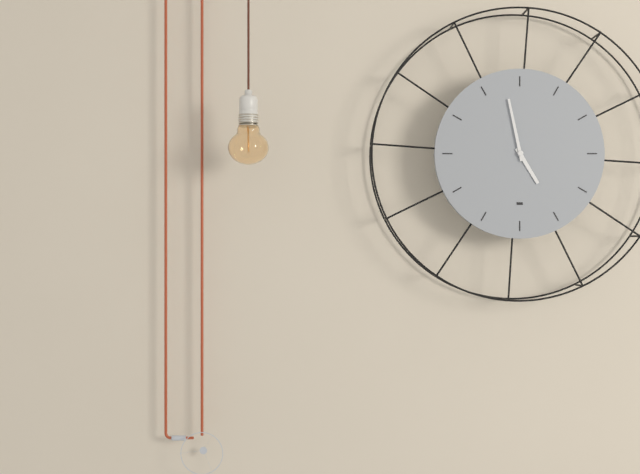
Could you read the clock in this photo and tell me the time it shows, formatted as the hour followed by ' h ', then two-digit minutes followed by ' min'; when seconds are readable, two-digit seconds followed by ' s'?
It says 4 h 58 min
